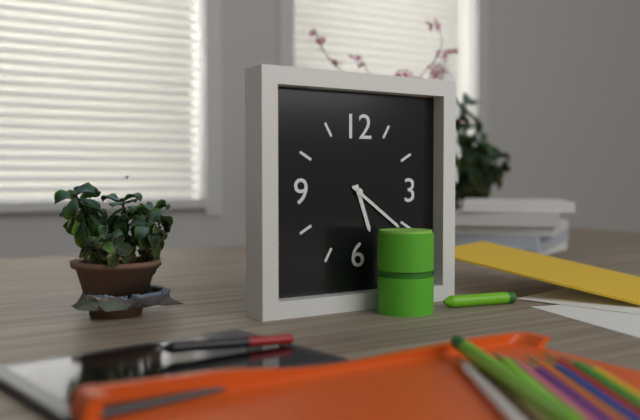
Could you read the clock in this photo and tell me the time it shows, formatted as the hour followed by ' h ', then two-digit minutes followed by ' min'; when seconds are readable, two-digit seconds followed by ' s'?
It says 5 h 21 min
